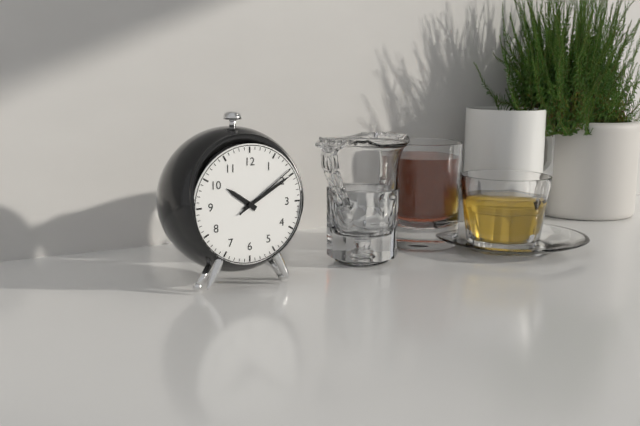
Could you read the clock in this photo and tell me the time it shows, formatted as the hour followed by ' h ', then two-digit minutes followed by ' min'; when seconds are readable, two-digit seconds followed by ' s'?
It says 10 h 10 min 09 s
